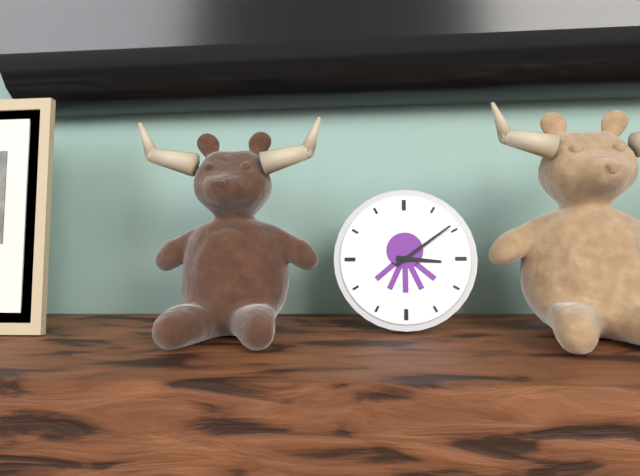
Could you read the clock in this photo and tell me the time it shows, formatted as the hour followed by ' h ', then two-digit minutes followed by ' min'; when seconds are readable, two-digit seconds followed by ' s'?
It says 3 h 09 min
